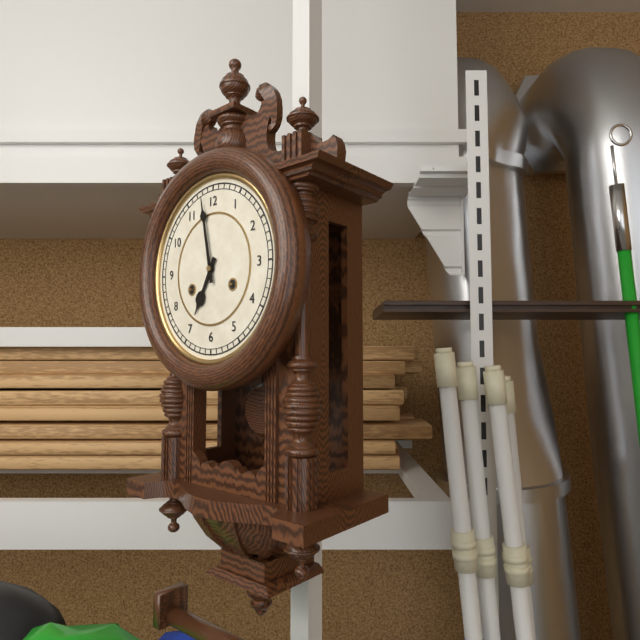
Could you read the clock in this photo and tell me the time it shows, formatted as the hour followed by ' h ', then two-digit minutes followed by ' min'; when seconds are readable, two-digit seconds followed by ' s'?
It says 6 h 58 min
